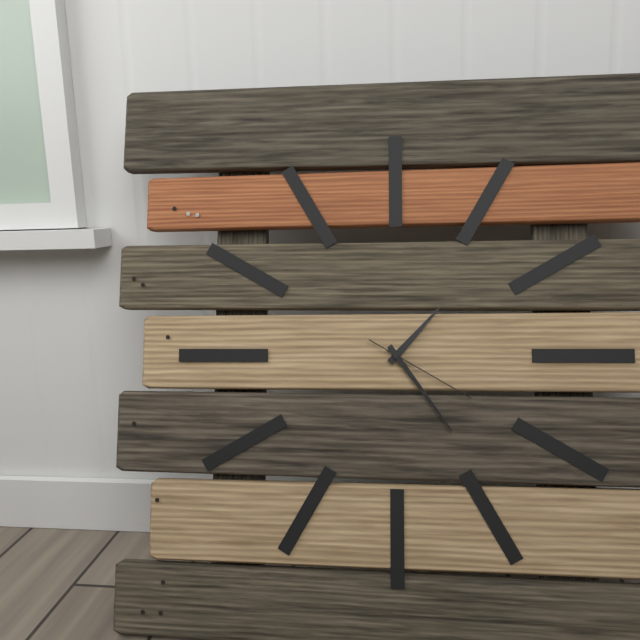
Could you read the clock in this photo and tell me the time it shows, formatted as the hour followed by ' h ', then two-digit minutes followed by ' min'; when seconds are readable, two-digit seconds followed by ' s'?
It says 1 h 24 min 20 s
